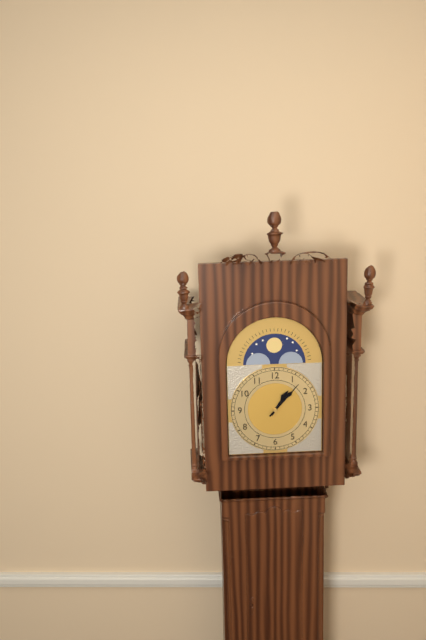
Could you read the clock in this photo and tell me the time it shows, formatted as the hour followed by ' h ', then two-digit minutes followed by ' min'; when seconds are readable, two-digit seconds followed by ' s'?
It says 1 h 07 min
